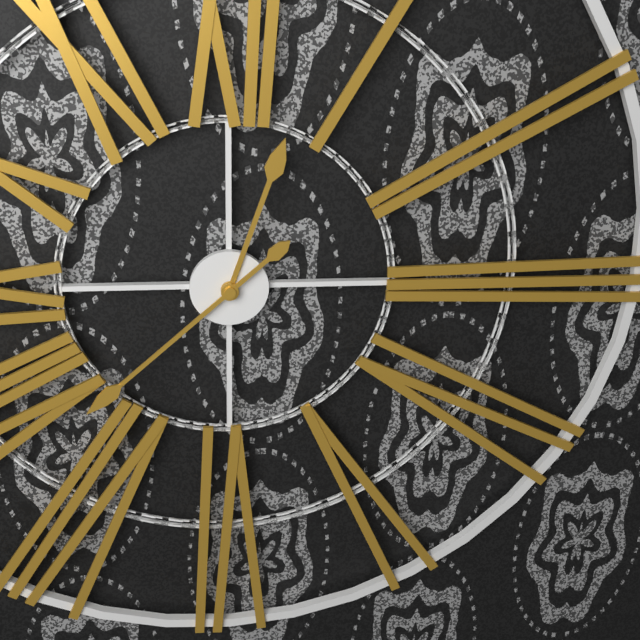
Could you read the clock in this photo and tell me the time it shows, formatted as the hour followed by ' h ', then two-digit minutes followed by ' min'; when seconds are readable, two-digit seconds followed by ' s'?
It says 12 h 38 min
